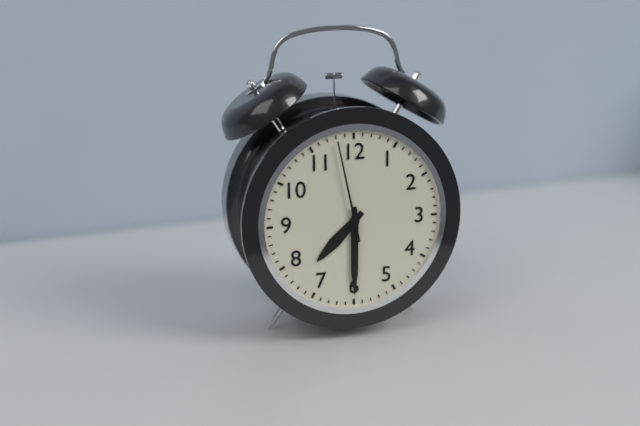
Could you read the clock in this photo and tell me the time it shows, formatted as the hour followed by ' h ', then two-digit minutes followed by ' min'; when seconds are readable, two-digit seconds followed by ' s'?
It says 7 h 30 min 58 s
